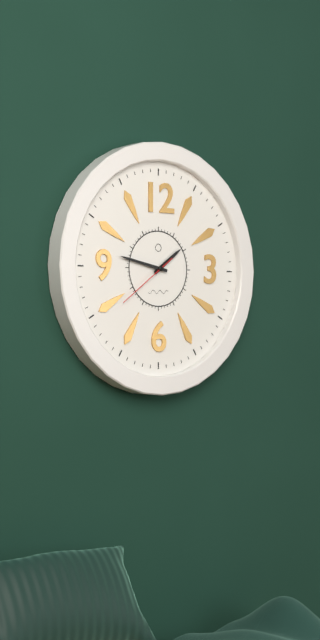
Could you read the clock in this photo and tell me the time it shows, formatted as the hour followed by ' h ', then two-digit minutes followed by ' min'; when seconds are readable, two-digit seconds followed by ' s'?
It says 1 h 47 min 39 s
